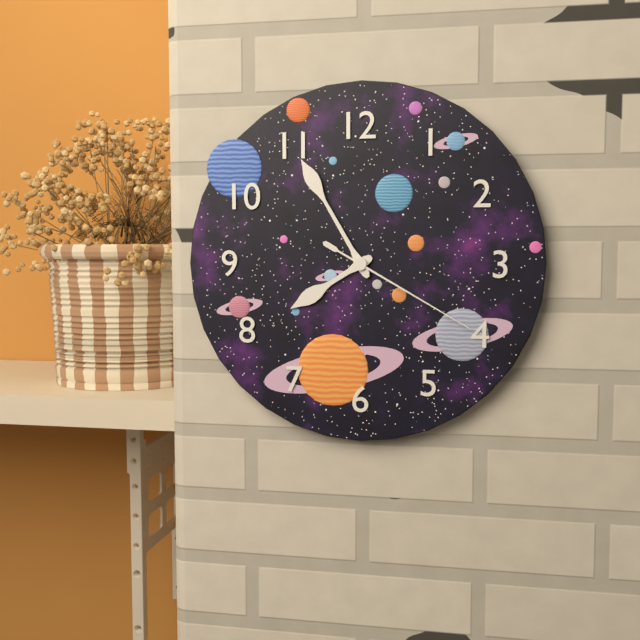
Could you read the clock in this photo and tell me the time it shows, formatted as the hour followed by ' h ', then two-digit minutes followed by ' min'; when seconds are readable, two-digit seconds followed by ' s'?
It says 7 h 55 min 20 s
